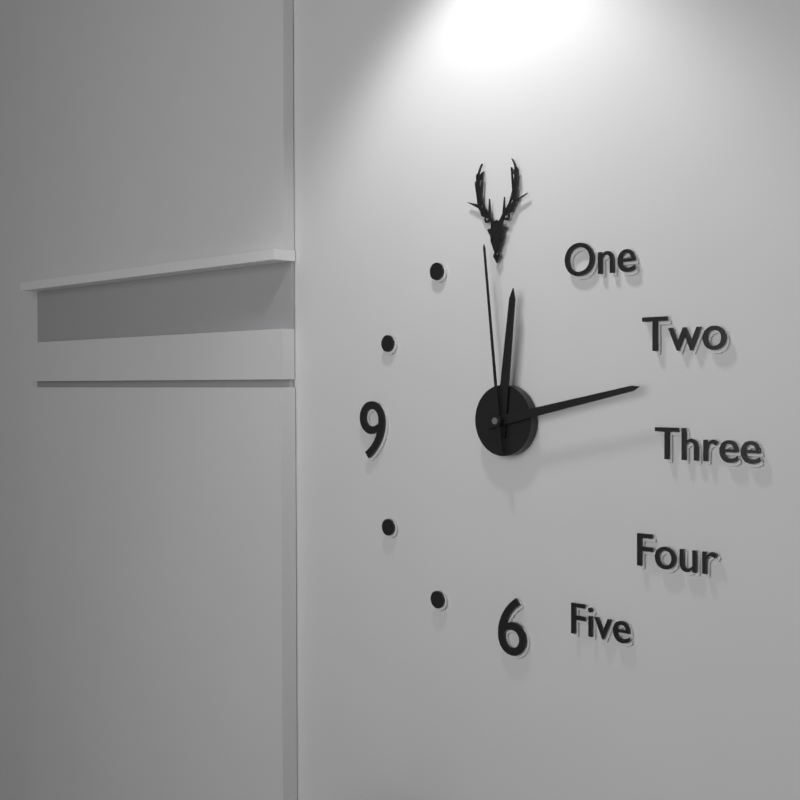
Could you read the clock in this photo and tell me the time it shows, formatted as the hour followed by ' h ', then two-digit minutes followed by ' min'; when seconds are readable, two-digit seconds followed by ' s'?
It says 12 h 13 min 59 s
